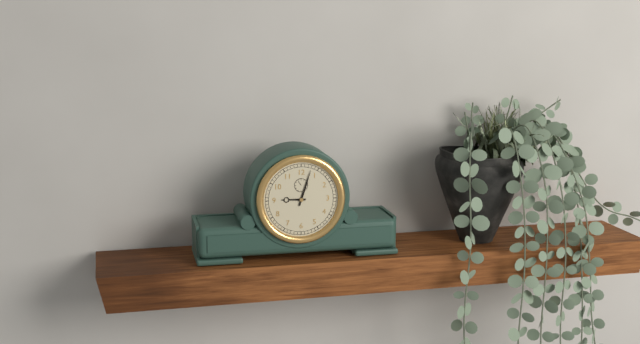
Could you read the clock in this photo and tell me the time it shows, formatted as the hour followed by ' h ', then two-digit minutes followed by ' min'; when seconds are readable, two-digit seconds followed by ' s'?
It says 9 h 03 min
